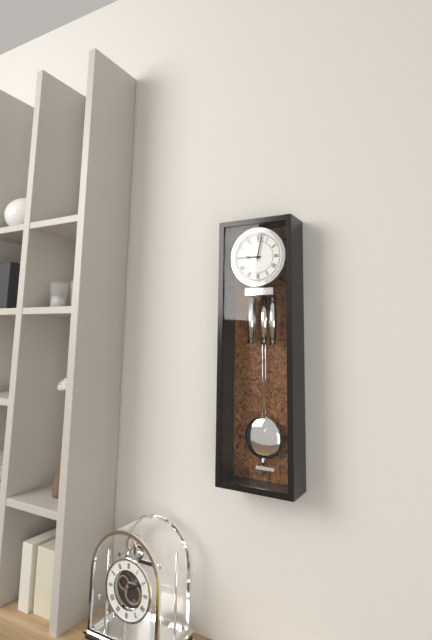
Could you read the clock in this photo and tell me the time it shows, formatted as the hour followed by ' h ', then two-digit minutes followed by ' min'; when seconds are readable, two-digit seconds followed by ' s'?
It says 9 h 02 min
